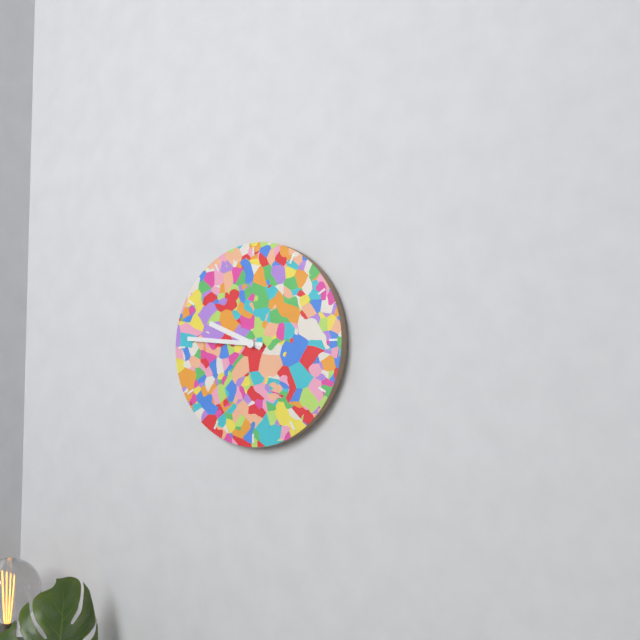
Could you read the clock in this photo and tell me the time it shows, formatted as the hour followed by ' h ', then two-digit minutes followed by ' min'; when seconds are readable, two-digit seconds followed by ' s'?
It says 9 h 46 min
